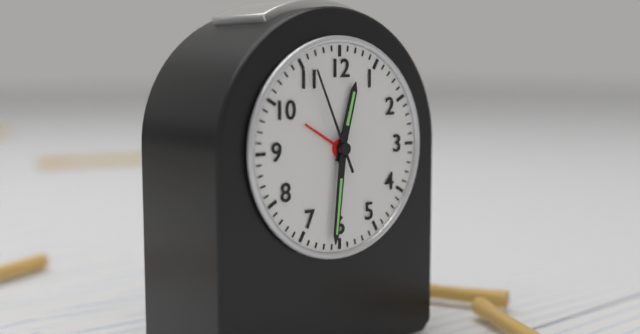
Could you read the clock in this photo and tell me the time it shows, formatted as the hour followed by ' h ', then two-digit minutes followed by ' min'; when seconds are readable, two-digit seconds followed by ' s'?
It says 12 h 31 min 56 s
